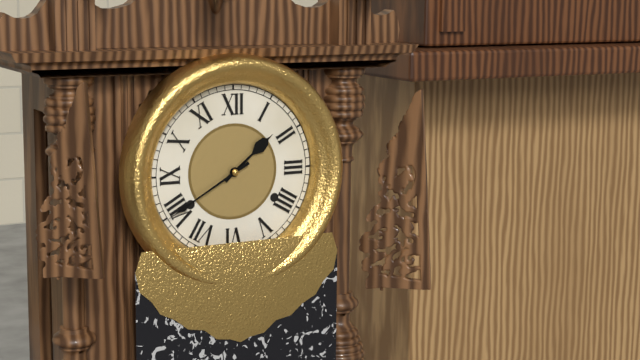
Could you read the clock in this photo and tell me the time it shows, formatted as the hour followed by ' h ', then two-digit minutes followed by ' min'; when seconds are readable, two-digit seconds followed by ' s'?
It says 1 h 40 min
